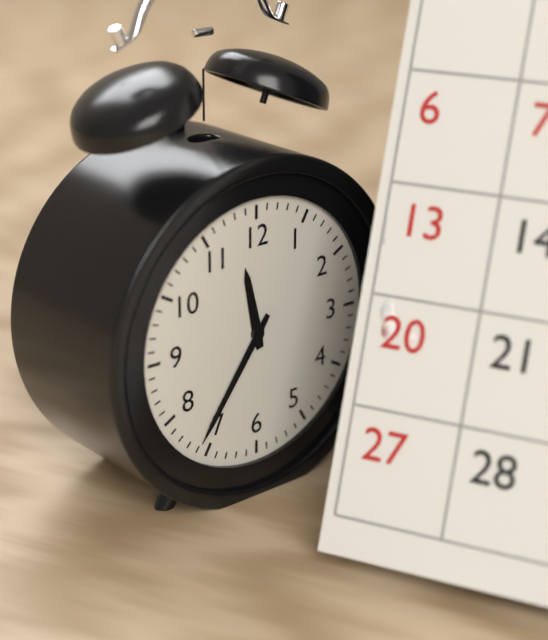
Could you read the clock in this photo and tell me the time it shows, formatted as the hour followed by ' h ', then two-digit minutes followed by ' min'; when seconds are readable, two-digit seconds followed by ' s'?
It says 11 h 36 min
